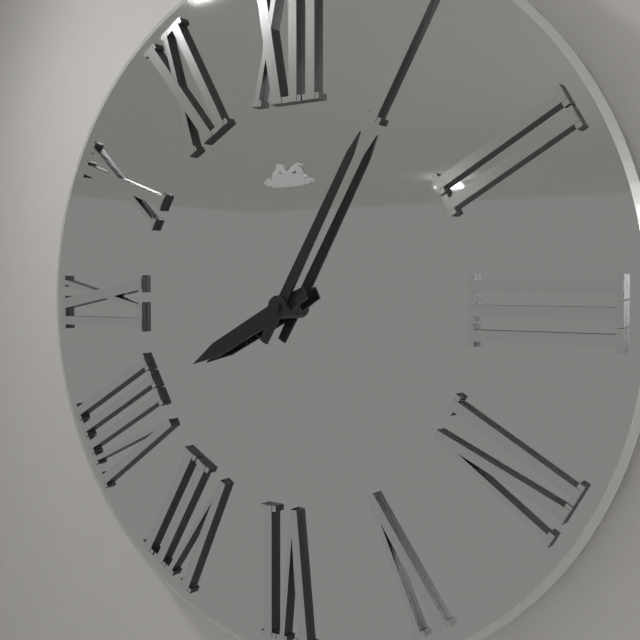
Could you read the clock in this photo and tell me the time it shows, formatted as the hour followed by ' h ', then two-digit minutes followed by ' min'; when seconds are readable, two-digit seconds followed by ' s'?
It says 8 h 05 min
